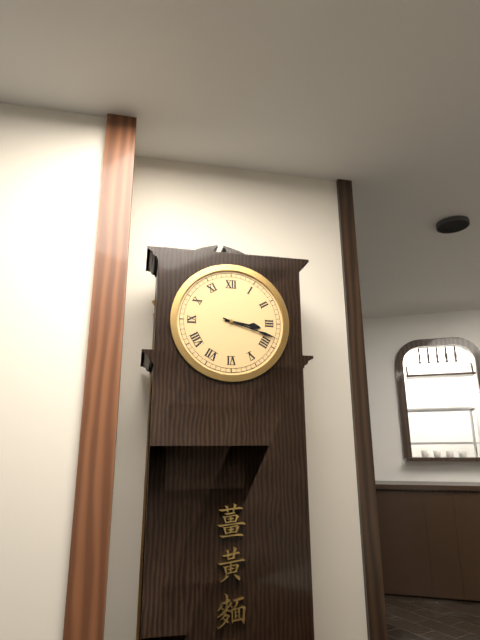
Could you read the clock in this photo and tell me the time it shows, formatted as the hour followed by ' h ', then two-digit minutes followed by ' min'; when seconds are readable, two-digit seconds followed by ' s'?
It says 3 h 18 min
